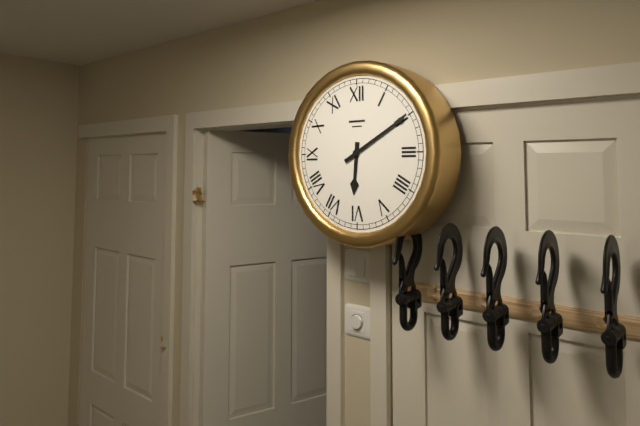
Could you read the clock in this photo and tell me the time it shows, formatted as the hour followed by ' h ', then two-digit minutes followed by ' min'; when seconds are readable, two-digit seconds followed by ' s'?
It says 6 h 10 min
